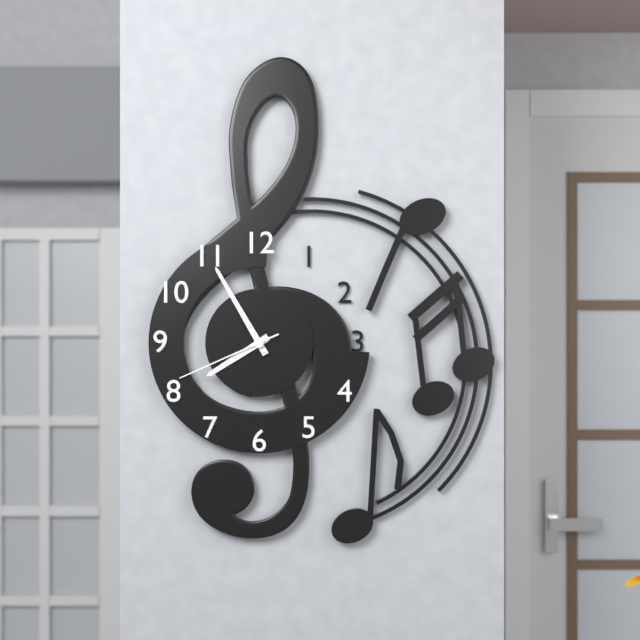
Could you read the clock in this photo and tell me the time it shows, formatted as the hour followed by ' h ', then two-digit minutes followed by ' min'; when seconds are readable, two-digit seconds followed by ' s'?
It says 7 h 55 min 41 s
